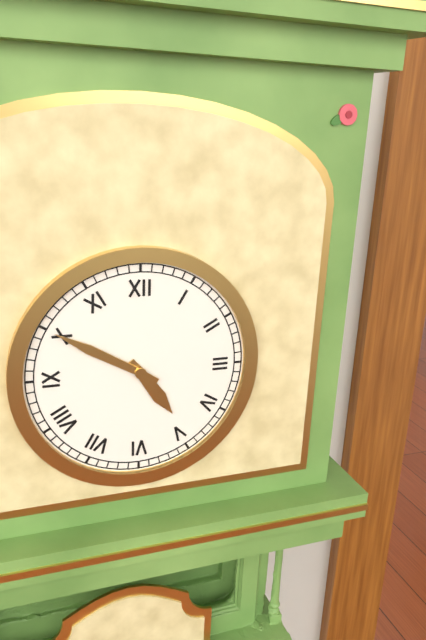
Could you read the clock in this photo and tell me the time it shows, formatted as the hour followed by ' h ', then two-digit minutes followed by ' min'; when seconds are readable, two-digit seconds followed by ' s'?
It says 4 h 50 min
